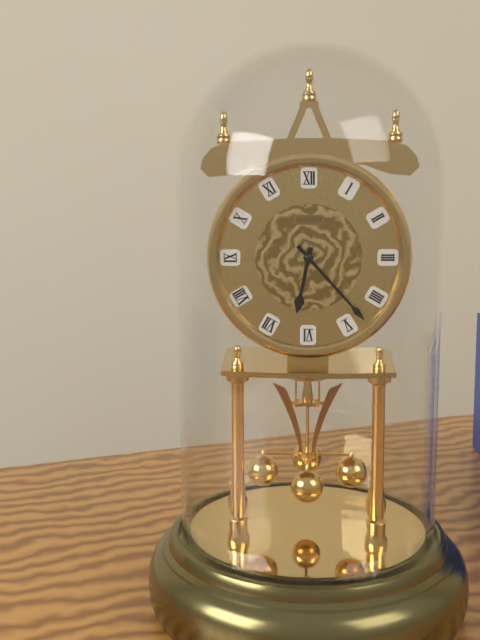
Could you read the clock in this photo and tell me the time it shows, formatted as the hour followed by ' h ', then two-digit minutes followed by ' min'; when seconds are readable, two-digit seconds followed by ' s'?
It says 6 h 23 min
